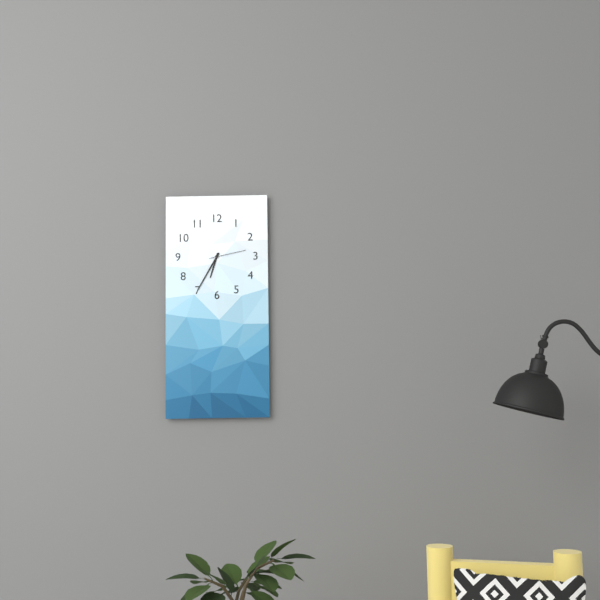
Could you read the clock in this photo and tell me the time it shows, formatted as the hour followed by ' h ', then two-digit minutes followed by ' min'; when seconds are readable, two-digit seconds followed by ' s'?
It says 6 h 35 min
